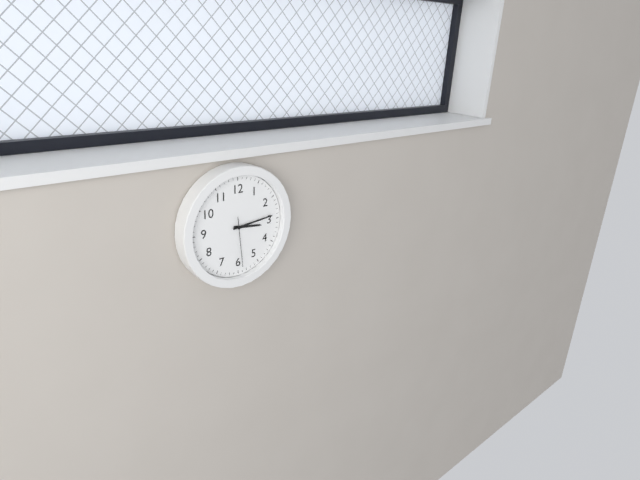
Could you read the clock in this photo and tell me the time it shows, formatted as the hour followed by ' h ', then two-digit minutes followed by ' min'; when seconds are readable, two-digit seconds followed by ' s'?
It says 3 h 14 min
